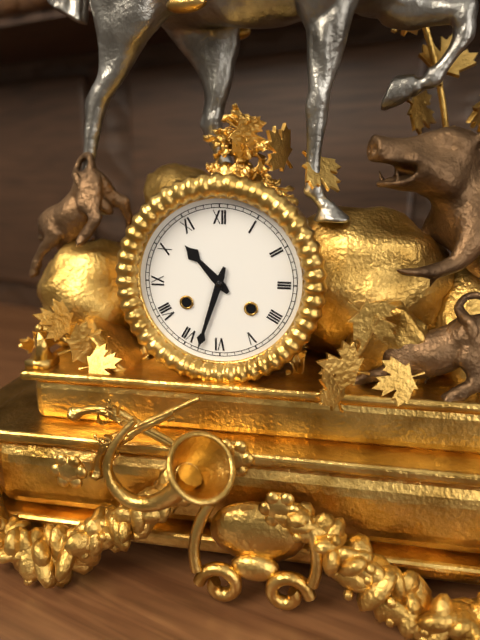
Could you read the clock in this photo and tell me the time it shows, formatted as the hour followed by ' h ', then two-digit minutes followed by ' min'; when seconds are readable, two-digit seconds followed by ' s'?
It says 10 h 33 min
